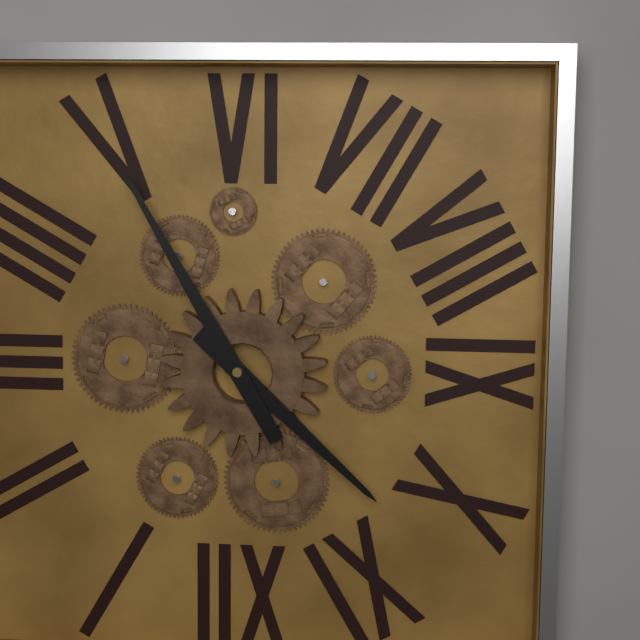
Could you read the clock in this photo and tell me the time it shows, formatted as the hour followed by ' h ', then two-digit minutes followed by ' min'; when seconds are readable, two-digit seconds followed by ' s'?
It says 10 h 25 min
